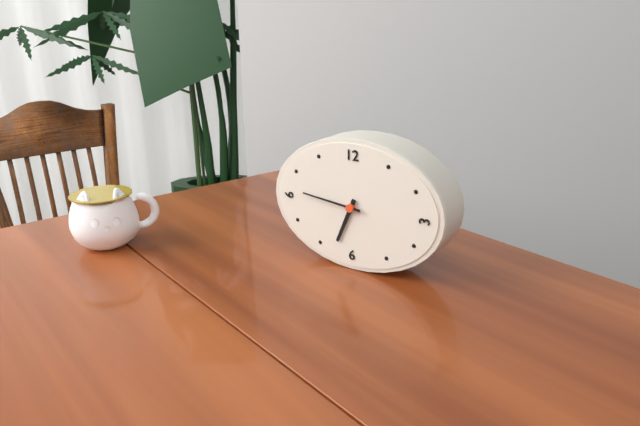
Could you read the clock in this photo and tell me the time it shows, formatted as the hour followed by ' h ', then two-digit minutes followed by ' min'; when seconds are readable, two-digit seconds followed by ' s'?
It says 6 h 46 min
